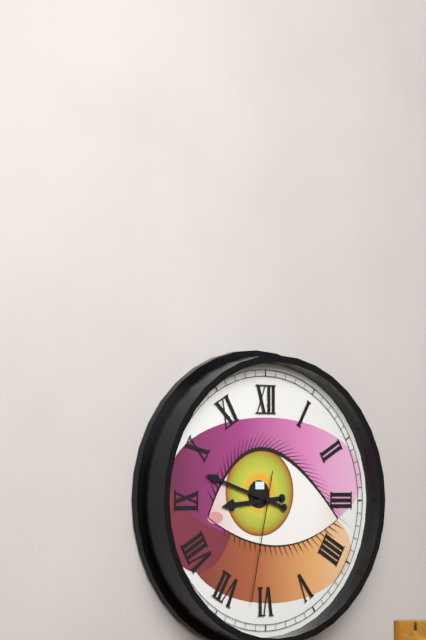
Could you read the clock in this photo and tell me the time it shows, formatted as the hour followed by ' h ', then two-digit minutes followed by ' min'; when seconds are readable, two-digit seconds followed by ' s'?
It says 8 h 48 min 32 s
